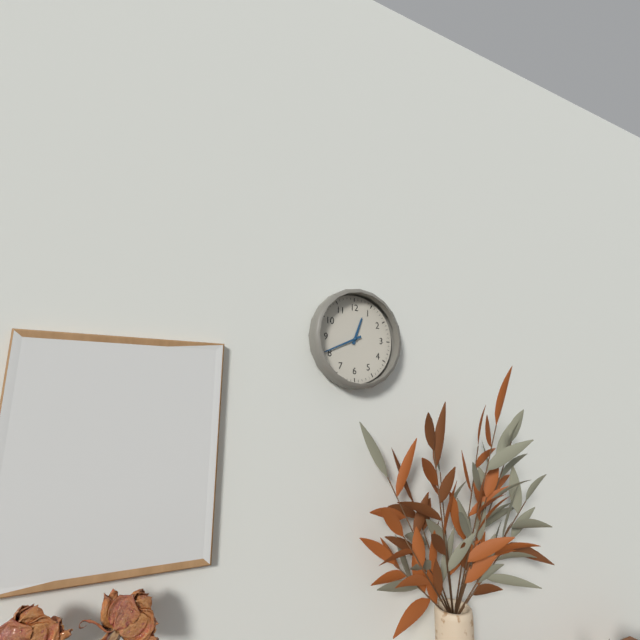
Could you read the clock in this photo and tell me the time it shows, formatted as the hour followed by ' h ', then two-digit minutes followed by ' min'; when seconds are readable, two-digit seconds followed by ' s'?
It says 12 h 41 min
